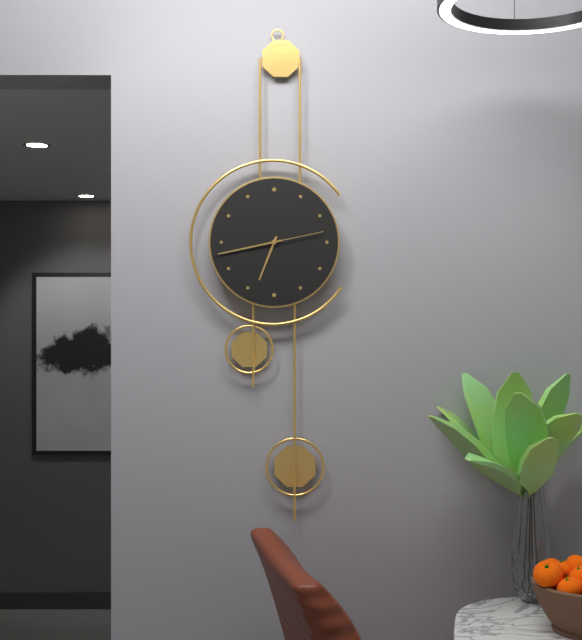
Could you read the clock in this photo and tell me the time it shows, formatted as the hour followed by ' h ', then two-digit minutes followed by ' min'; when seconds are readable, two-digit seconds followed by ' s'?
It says 6 h 43 min 13 s
